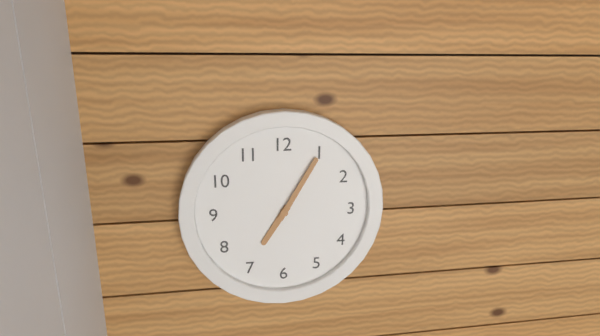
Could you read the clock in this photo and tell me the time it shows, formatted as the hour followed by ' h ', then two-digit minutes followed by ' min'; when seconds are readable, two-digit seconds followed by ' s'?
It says 7 h 05 min
